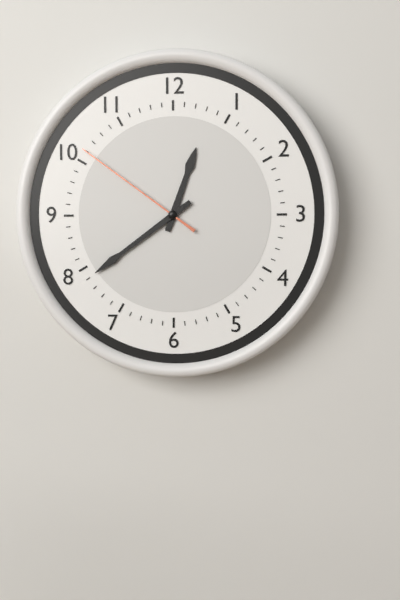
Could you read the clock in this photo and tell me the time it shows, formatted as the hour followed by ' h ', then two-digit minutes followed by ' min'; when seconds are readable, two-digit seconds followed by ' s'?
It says 12 h 39 min 51 s
